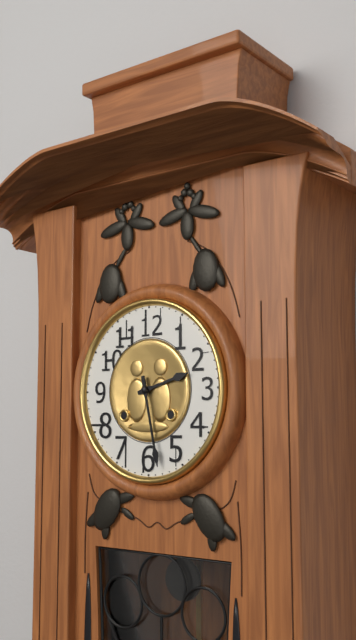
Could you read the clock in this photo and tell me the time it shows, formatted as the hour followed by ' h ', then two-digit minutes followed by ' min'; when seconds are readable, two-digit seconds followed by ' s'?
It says 2 h 28 min
